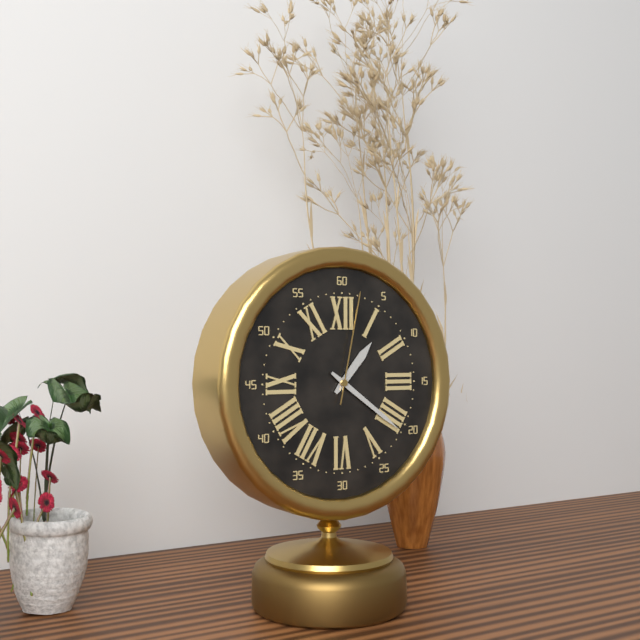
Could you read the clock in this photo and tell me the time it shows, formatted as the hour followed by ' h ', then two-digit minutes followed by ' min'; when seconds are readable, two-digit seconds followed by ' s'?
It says 1 h 21 min 02 s
